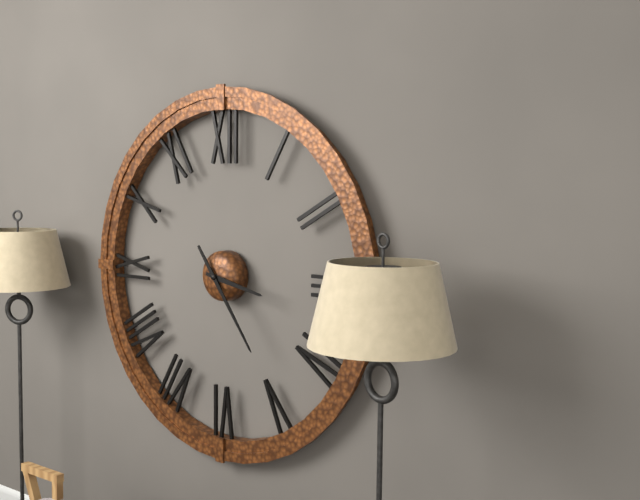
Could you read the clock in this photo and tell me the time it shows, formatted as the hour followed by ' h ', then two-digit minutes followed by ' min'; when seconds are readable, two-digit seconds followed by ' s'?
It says 3 h 24 min
